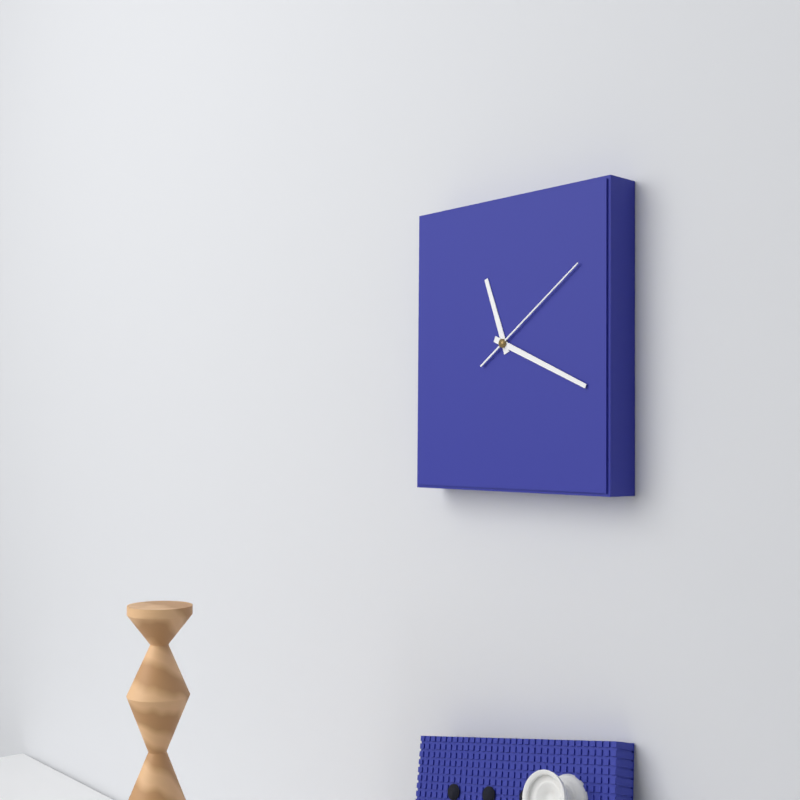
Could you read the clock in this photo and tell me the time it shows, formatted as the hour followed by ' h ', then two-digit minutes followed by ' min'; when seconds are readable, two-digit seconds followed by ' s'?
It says 11 h 19 min 09 s
